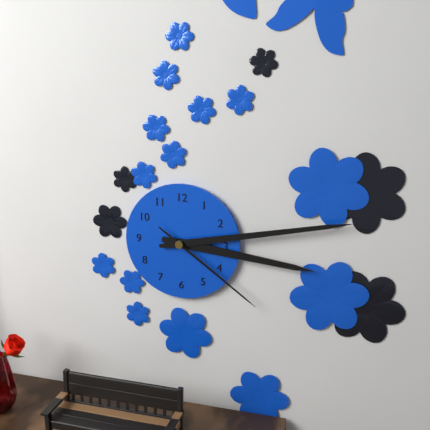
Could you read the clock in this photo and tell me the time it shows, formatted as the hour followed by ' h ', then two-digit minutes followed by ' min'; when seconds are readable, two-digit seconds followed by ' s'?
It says 3 h 13 min 21 s
